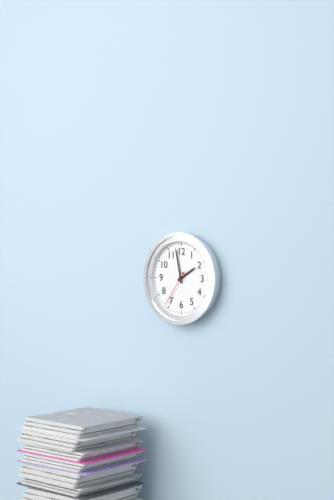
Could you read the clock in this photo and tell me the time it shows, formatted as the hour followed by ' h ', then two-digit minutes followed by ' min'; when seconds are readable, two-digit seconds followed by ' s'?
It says 1 h 58 min
